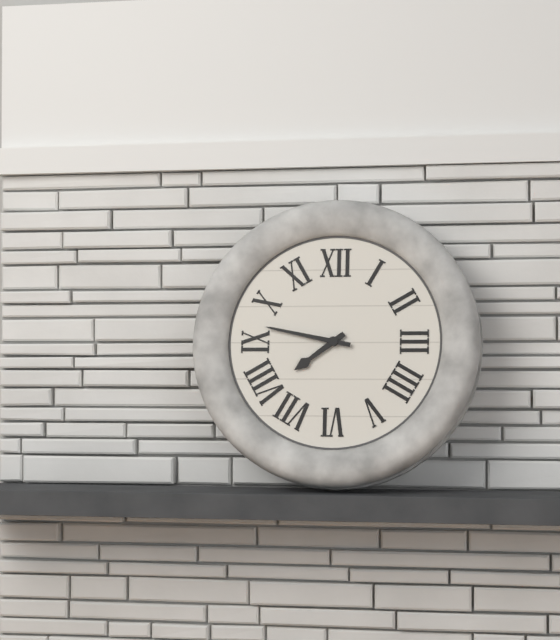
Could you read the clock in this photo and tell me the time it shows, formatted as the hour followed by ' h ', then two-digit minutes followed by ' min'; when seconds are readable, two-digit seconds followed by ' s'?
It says 7 h 47 min
